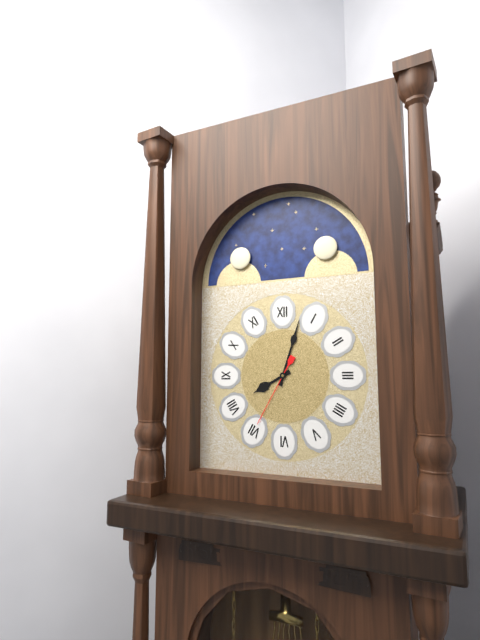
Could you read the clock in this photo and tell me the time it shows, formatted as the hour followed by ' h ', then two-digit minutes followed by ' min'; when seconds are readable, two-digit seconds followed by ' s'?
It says 8 h 03 min 35 s
